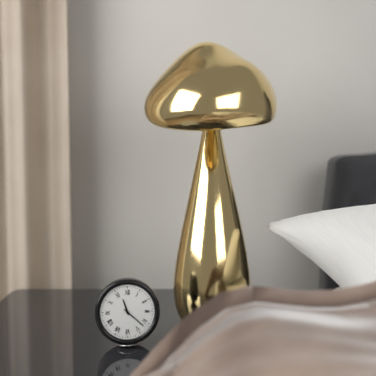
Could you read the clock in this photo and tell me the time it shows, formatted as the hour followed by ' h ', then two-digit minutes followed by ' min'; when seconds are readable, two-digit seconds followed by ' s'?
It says 11 h 22 min
